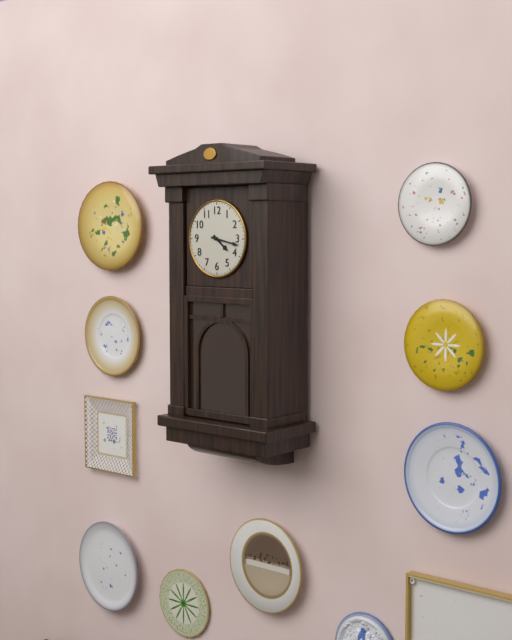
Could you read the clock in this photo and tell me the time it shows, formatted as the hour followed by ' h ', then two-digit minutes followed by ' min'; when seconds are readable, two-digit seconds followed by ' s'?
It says 4 h 17 min
